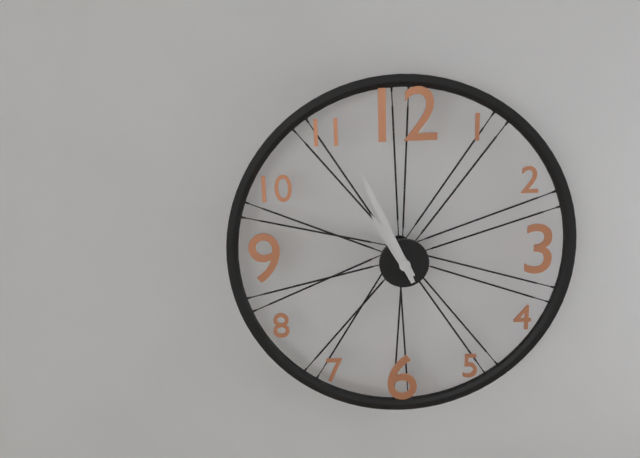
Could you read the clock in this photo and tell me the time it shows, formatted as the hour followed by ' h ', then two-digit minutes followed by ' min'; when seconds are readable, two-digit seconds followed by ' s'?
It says 10 h 56 min
